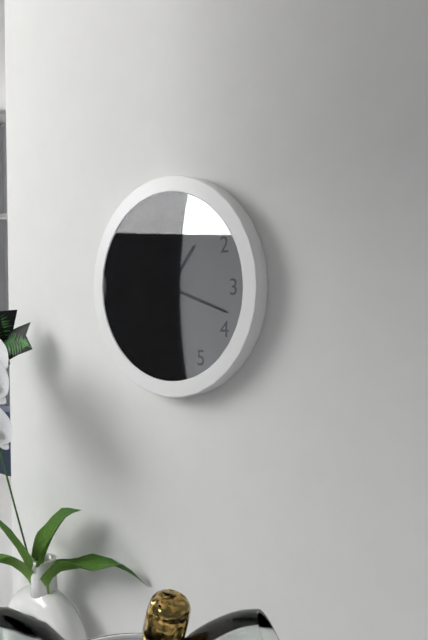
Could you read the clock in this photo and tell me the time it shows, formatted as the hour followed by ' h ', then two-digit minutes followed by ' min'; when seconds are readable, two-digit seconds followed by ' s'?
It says 1 h 18 min
